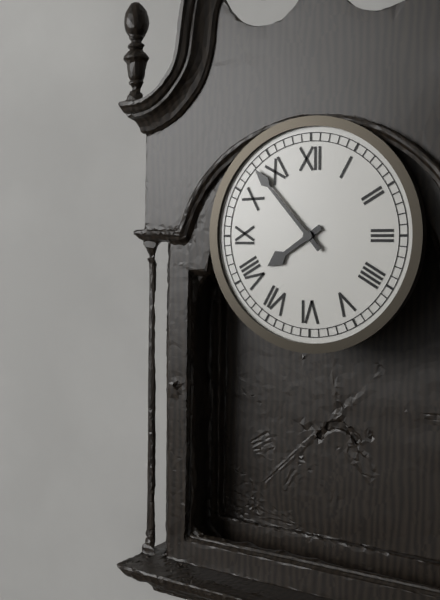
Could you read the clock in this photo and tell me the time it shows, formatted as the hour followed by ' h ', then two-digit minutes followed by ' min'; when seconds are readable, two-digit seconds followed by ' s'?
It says 7 h 53 min
